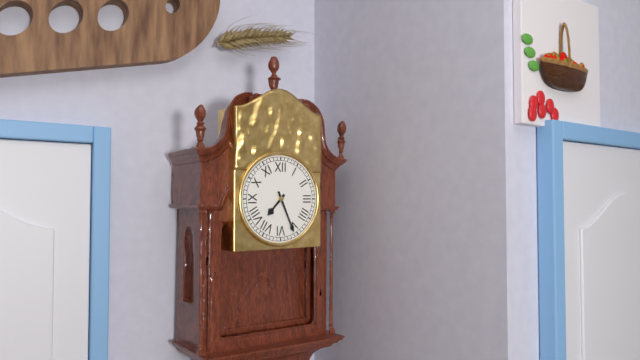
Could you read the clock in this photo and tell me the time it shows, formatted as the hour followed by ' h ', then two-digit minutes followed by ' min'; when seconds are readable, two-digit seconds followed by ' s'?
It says 7 h 26 min
